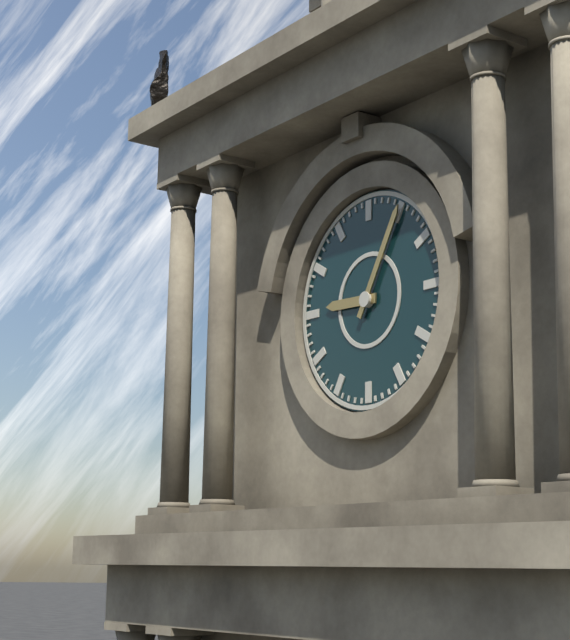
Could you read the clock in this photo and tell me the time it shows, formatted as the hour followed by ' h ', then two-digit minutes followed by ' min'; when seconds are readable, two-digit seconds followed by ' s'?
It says 9 h 05 min
